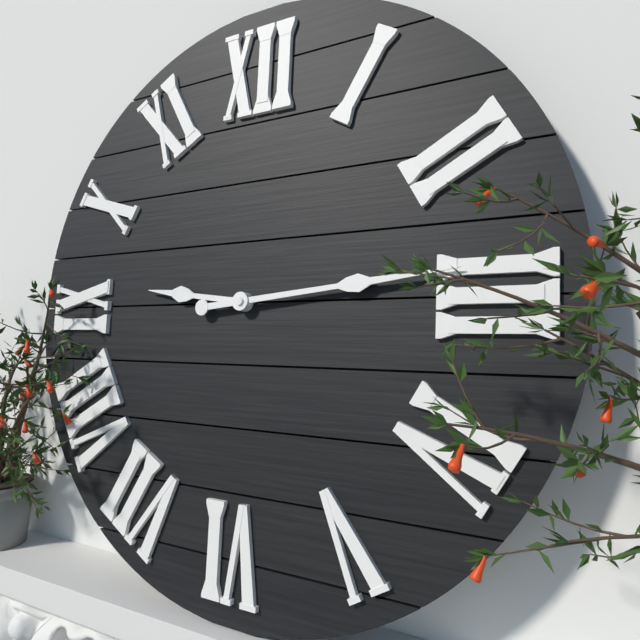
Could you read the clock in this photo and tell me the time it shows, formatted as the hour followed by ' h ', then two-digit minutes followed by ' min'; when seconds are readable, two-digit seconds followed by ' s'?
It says 9 h 14 min
